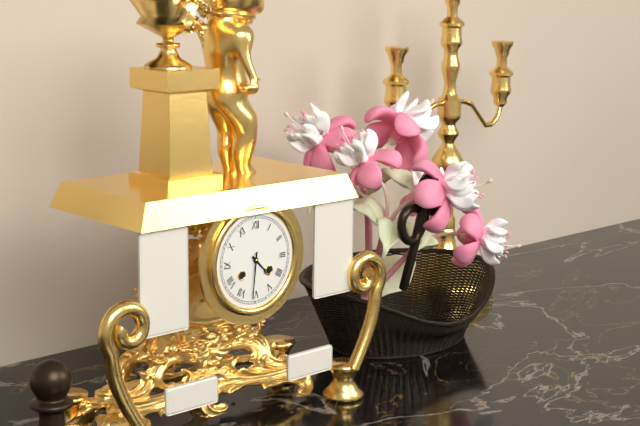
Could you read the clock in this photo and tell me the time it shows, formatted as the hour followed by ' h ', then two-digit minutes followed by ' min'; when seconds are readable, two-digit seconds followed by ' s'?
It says 4 h 31 min
